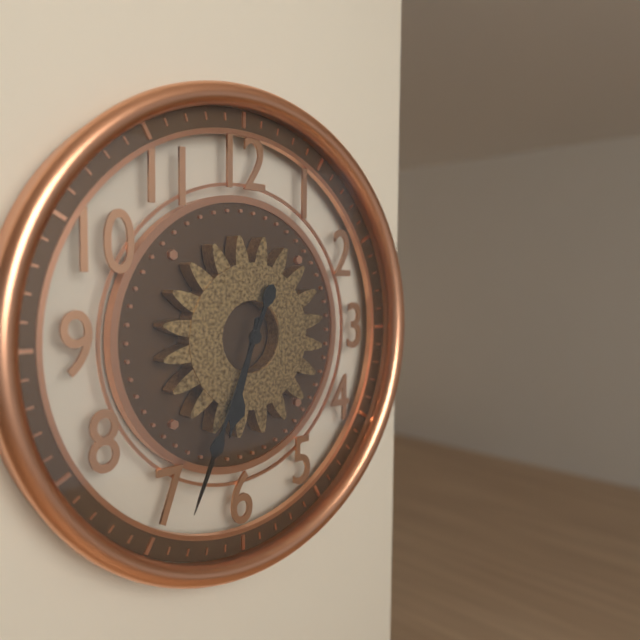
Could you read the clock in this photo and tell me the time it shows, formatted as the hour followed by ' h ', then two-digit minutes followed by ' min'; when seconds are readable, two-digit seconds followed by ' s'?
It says 6 h 34 min
